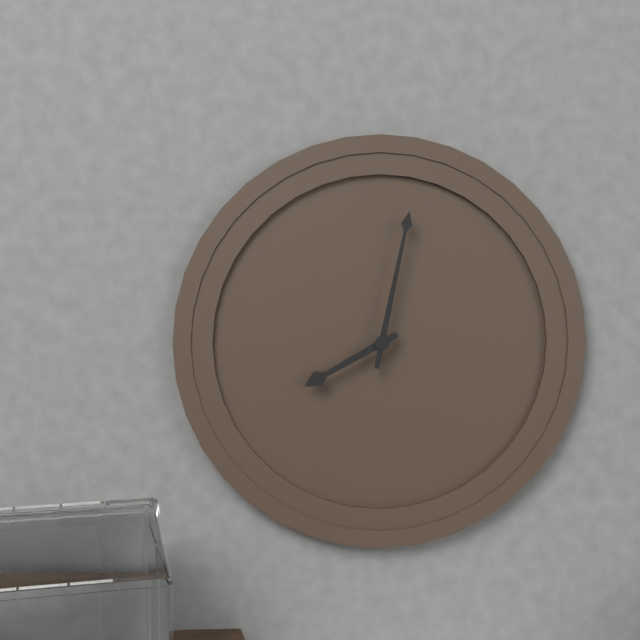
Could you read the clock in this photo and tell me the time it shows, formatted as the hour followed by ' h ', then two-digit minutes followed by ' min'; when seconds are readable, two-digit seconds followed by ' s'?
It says 8 h 02 min
